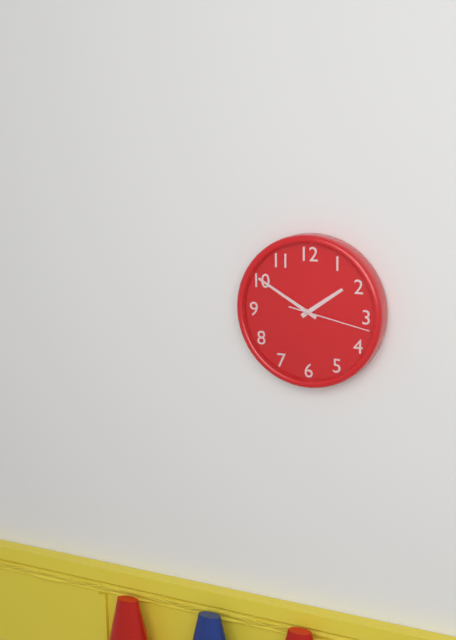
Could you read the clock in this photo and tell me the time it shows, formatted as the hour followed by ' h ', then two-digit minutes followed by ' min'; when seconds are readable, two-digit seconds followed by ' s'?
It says 1 h 50 min 17 s
